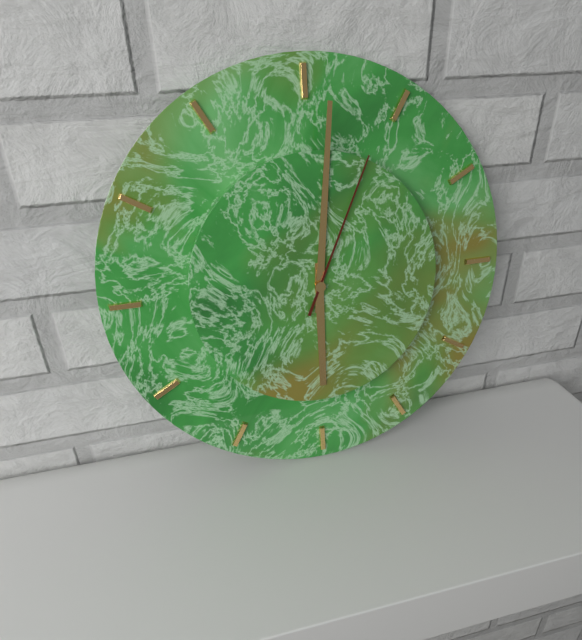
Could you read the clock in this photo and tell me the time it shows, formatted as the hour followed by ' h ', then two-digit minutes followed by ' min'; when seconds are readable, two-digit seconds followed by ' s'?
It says 6 h 01 min 04 s
